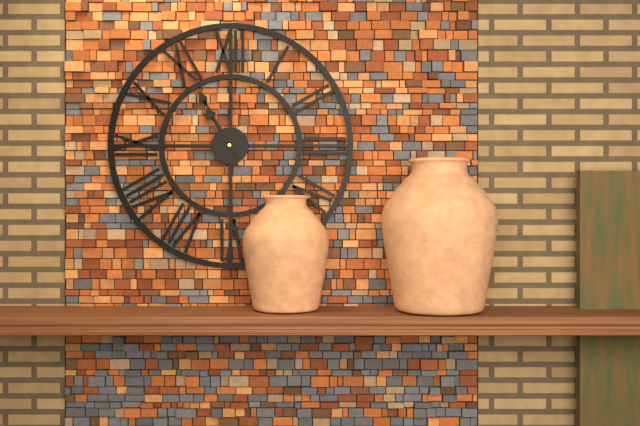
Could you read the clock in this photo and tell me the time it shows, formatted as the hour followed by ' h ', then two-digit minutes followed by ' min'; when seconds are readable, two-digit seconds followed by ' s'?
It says 10 h 55 min
